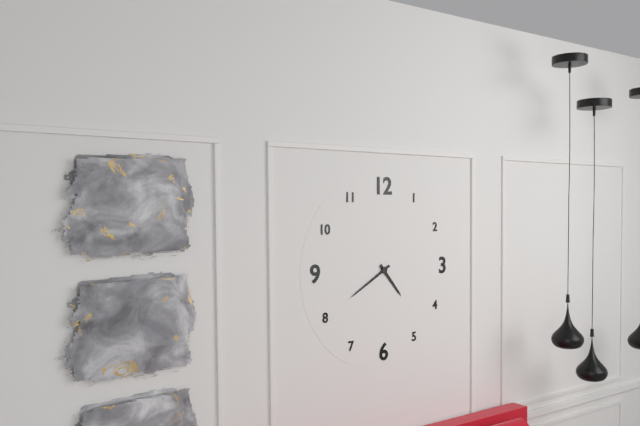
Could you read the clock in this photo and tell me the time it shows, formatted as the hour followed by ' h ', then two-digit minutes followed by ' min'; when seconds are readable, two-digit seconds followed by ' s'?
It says 4 h 40 min
